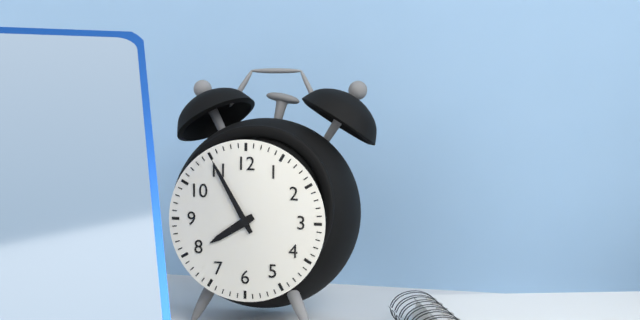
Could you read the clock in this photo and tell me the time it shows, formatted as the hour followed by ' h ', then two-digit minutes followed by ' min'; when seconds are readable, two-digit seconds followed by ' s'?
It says 7 h 55 min
